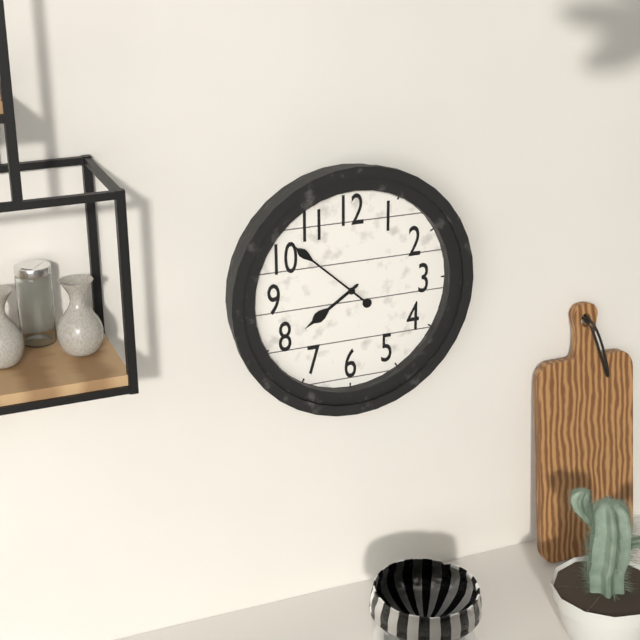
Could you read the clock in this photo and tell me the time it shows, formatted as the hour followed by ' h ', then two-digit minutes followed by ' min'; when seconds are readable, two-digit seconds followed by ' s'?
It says 7 h 52 min
